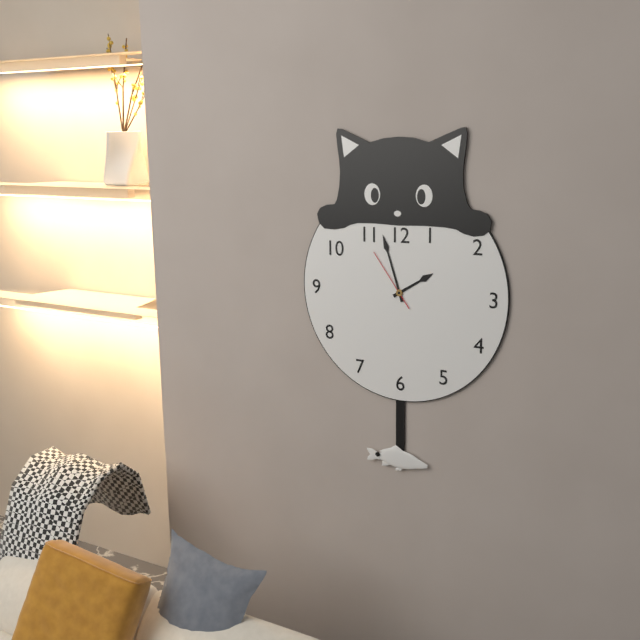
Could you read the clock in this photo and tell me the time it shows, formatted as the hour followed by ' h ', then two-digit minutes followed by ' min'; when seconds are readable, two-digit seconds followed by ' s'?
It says 1 h 57 min 54 s
